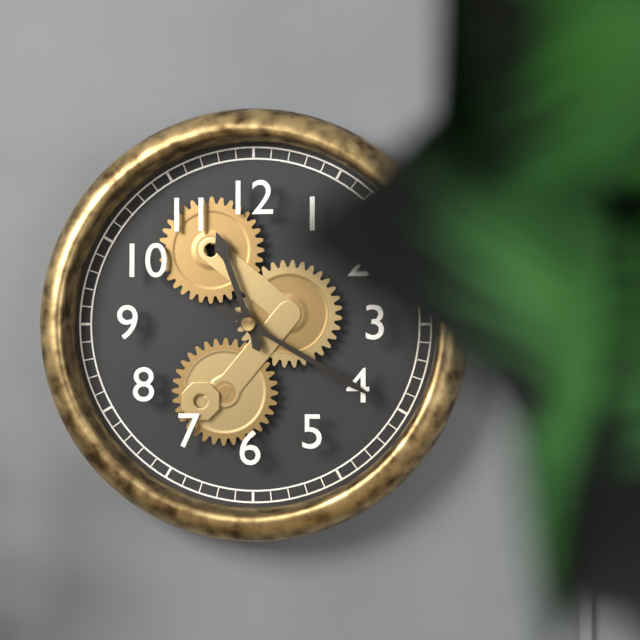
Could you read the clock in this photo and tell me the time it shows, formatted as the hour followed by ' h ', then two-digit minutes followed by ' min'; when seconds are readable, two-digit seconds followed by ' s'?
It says 11 h 20 min
